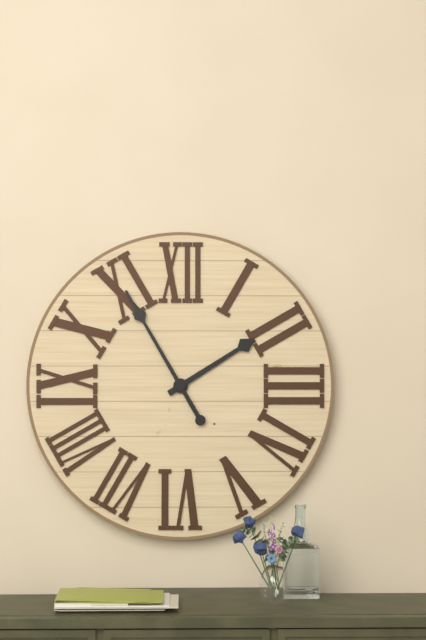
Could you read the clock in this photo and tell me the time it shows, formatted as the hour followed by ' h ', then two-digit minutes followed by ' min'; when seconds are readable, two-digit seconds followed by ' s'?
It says 1 h 55 min
